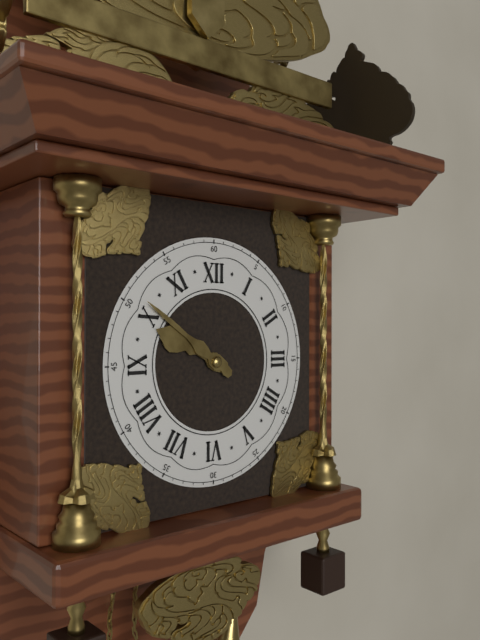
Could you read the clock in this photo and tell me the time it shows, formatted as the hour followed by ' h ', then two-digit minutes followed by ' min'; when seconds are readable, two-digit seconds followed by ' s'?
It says 9 h 51 min
